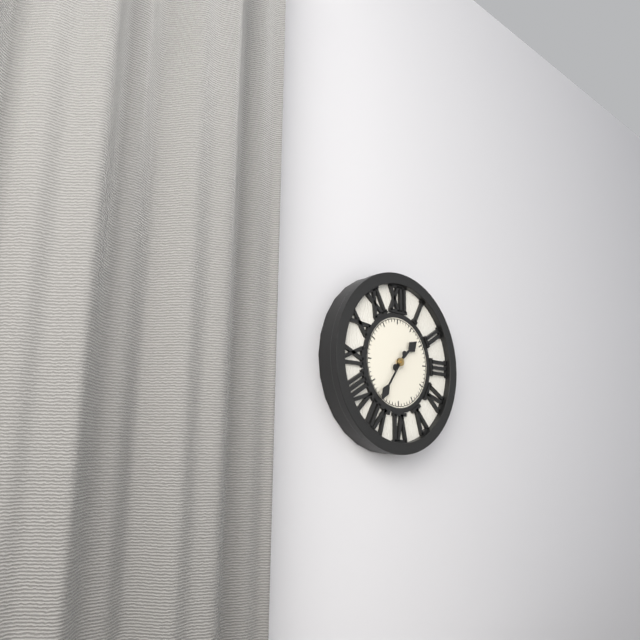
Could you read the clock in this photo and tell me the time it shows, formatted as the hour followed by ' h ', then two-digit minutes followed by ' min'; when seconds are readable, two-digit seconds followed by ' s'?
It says 1 h 36 min
